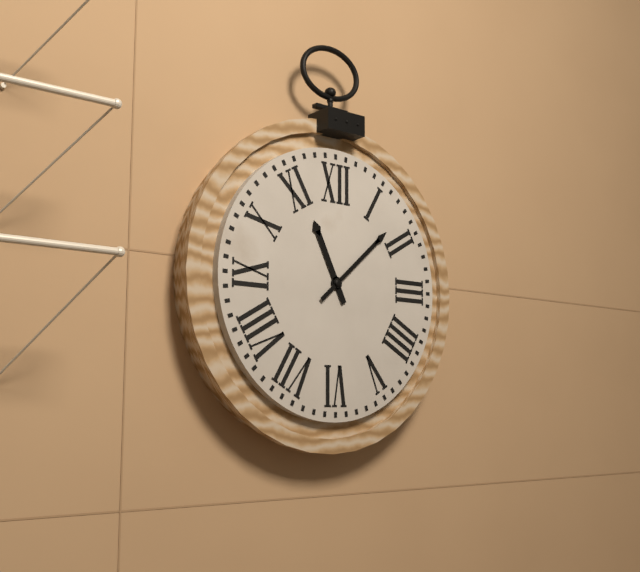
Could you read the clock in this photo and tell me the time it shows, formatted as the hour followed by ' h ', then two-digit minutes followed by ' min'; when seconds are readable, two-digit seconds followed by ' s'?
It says 11 h 08 min
